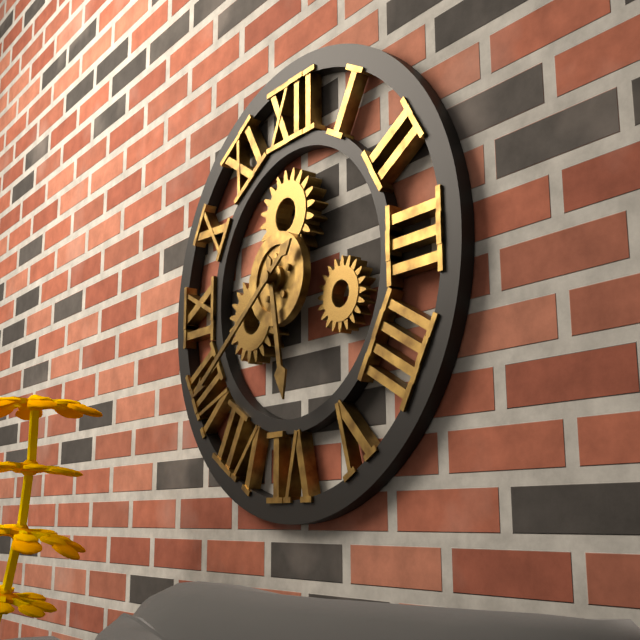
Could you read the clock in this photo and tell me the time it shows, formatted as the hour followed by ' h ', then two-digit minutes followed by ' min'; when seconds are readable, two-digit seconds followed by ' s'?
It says 5 h 39 min
